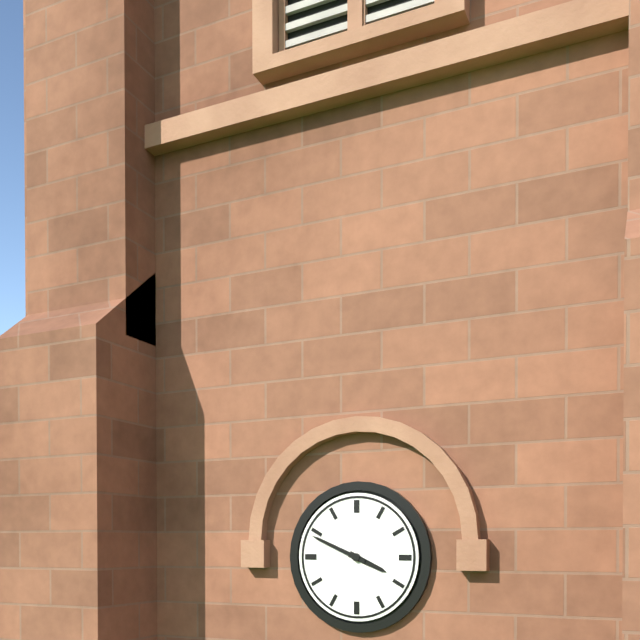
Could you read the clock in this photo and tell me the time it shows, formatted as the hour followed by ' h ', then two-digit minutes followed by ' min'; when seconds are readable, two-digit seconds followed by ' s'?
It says 3 h 49 min
